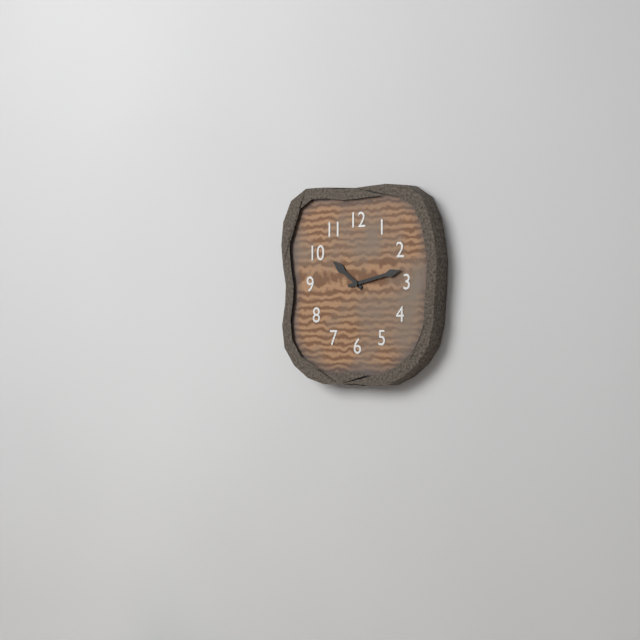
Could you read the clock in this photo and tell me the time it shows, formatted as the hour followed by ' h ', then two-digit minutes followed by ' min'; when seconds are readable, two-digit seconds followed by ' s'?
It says 10 h 13 min
